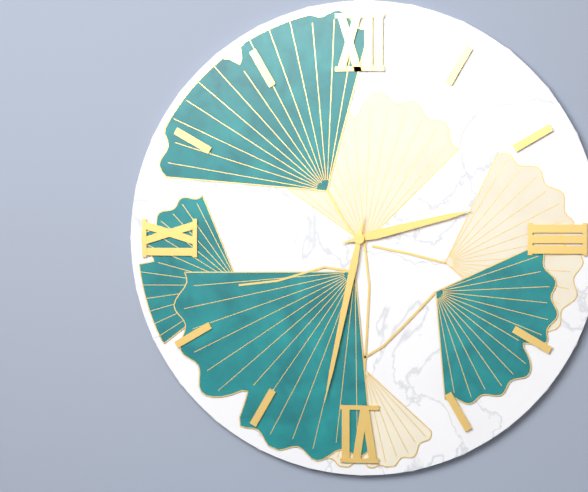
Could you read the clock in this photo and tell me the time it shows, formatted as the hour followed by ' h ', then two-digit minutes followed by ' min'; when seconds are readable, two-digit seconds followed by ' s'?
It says 2 h 32 min
